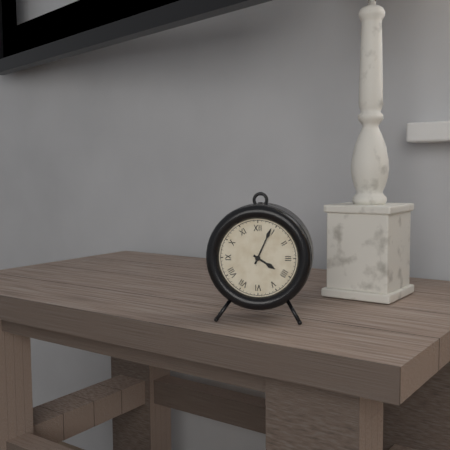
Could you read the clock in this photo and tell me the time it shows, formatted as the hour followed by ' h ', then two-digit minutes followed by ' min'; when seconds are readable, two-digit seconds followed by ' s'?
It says 4 h 04 min
